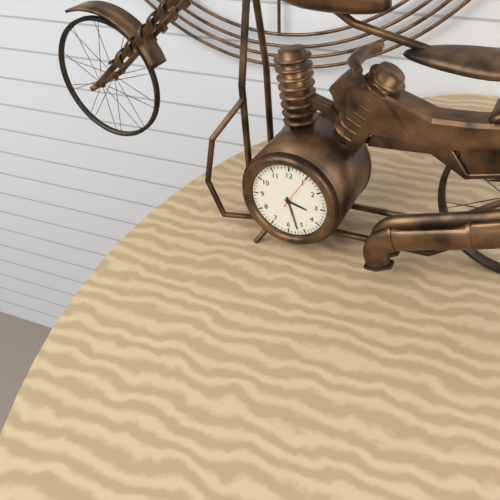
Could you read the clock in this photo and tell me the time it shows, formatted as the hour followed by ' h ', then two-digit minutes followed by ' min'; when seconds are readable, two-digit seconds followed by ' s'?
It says 3 h 27 min
